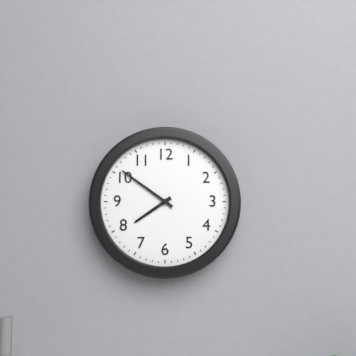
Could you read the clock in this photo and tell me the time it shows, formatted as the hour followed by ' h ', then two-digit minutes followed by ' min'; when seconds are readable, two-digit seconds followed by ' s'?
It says 7 h 51 min
